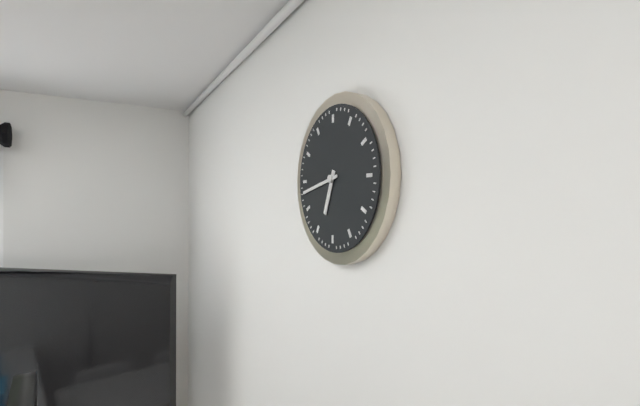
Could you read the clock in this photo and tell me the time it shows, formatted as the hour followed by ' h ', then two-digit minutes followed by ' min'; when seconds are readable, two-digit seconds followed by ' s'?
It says 6 h 43 min
